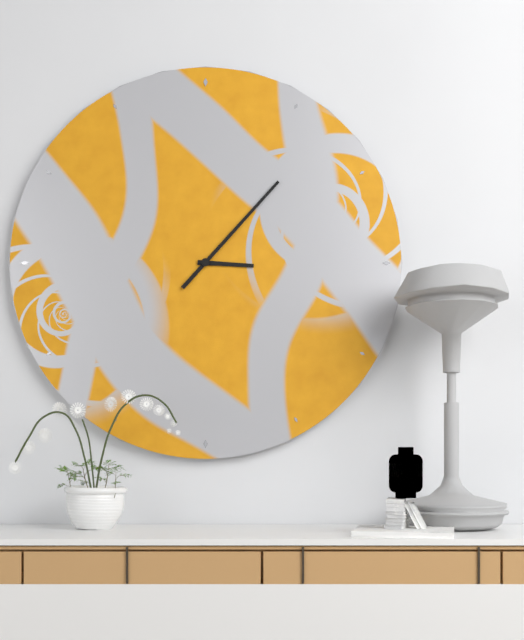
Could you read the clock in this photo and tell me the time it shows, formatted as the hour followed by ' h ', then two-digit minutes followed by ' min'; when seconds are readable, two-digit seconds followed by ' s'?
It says 3 h 07 min
